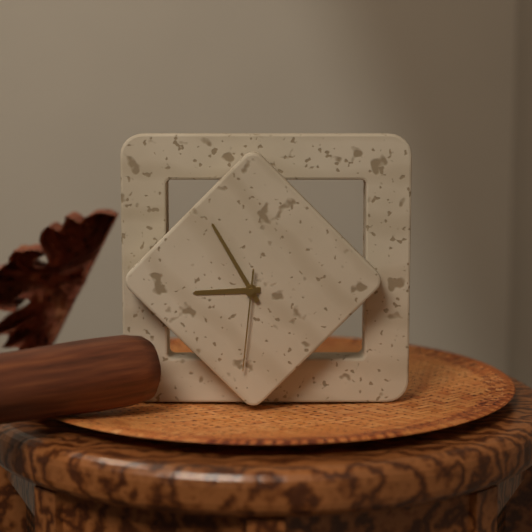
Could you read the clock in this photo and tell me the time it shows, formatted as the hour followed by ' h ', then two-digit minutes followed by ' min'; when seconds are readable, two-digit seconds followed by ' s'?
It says 8 h 55 min 31 s
